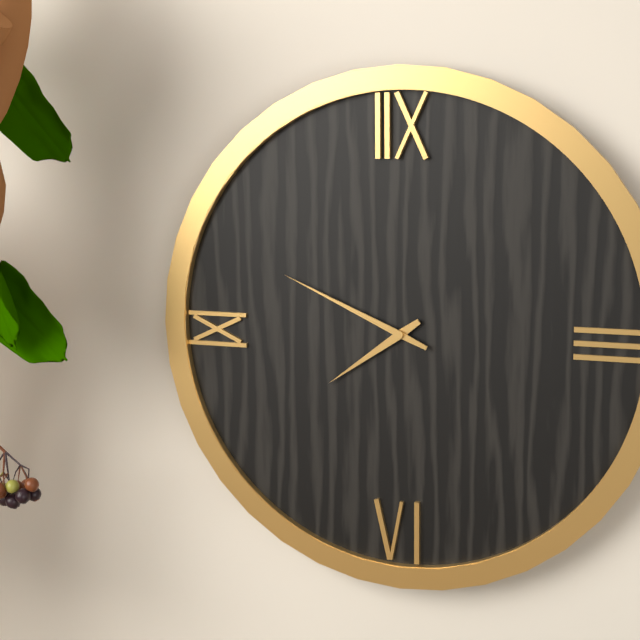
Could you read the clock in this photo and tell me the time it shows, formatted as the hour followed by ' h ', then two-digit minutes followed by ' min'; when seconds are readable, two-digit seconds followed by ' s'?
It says 7 h 49 min
